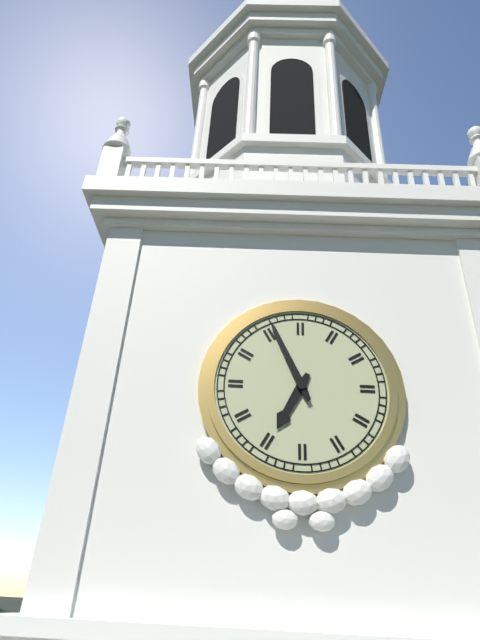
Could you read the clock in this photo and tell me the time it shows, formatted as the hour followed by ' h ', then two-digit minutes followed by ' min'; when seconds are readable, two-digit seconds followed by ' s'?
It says 6 h 56 min
